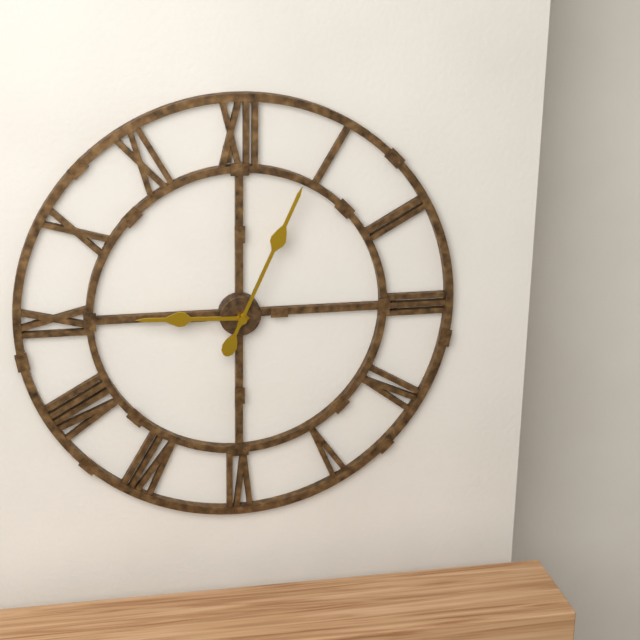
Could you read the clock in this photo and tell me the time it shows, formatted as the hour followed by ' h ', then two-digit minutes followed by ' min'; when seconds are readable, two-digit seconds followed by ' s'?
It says 9 h 04 min
